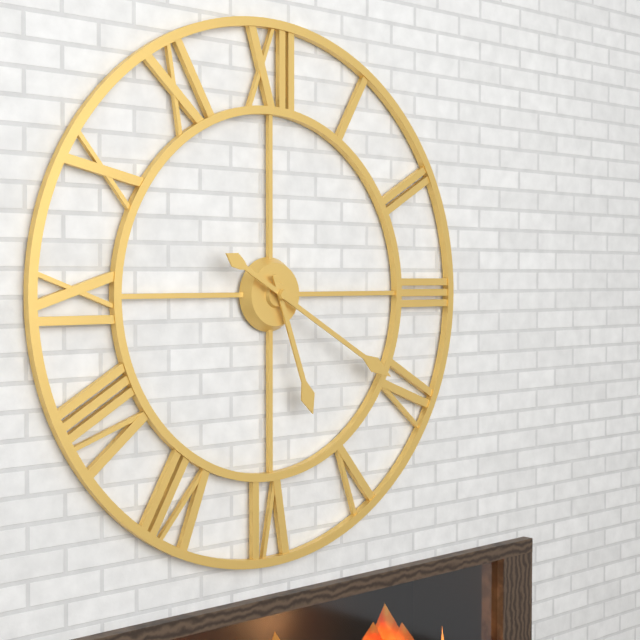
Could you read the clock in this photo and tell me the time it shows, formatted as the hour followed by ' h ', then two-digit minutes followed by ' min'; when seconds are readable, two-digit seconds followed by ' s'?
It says 5 h 20 min
